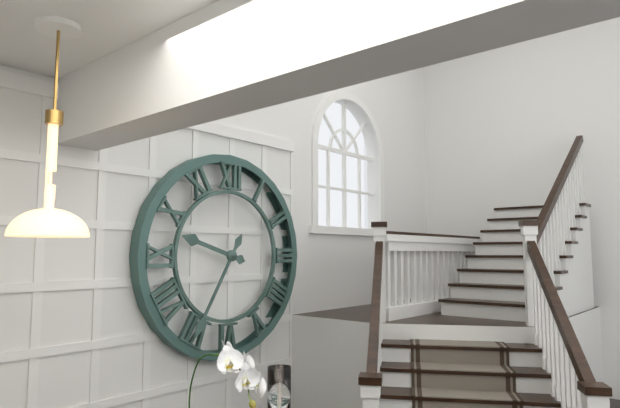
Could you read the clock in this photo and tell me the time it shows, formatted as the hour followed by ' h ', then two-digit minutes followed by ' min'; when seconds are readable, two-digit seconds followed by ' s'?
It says 9 h 35 min
